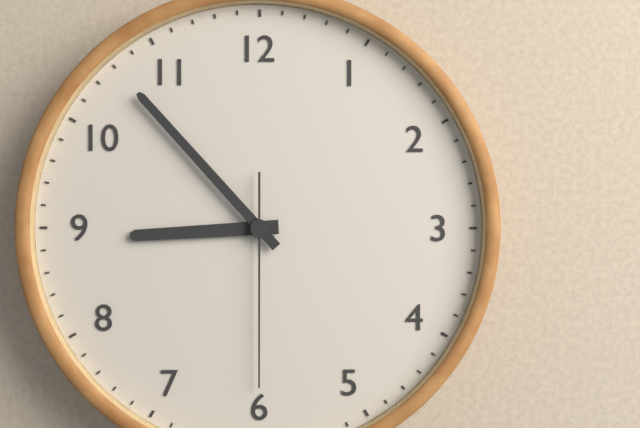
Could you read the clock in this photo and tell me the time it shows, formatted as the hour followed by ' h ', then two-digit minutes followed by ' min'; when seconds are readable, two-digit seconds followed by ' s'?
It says 8 h 53 min 30 s
